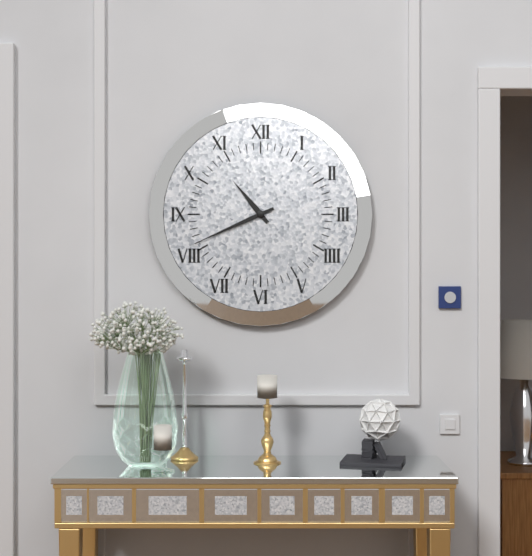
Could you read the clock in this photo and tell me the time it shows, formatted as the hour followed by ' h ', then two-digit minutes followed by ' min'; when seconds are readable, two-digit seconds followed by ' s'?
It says 10 h 41 min
